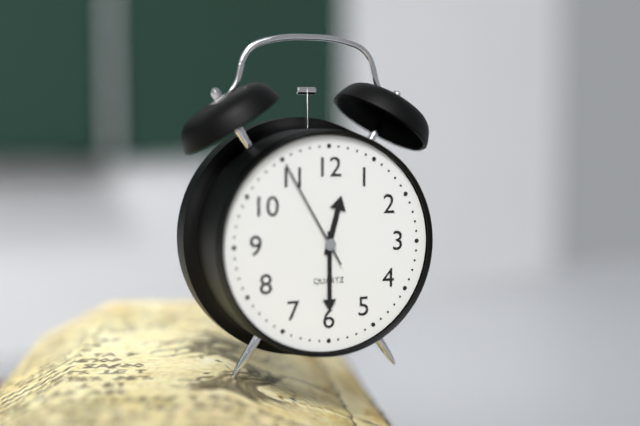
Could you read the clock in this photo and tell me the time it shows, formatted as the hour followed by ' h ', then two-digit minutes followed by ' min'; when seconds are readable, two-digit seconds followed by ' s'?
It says 12 h 30 min 55 s
